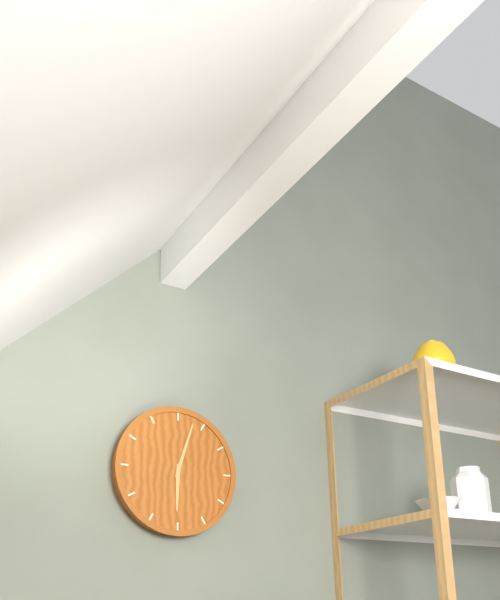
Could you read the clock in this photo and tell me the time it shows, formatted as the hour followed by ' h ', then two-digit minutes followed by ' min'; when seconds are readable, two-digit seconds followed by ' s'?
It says 6 h 03 min
